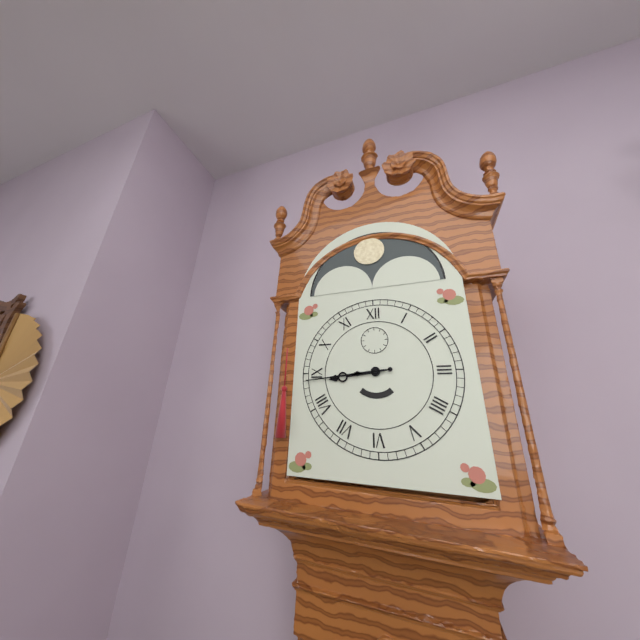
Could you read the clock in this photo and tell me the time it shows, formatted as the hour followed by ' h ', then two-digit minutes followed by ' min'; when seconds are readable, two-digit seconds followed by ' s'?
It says 8 h 44 min
